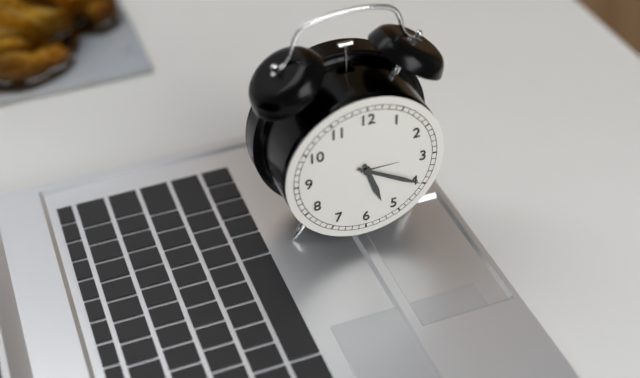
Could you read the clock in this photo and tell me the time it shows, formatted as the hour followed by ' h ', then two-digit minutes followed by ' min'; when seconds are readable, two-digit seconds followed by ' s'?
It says 5 h 20 min
